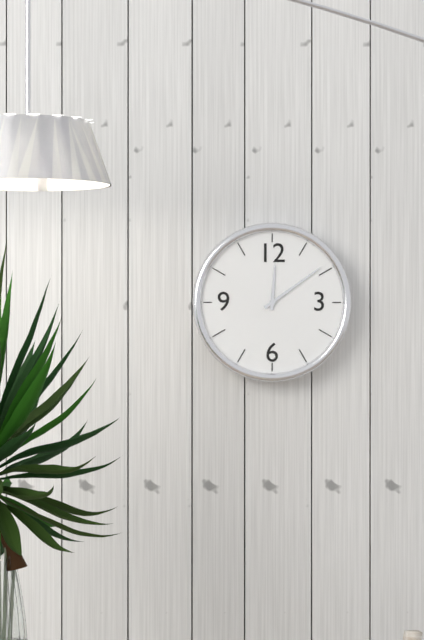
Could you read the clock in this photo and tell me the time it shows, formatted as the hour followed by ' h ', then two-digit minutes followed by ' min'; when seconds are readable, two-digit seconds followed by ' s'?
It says 12 h 09 min
